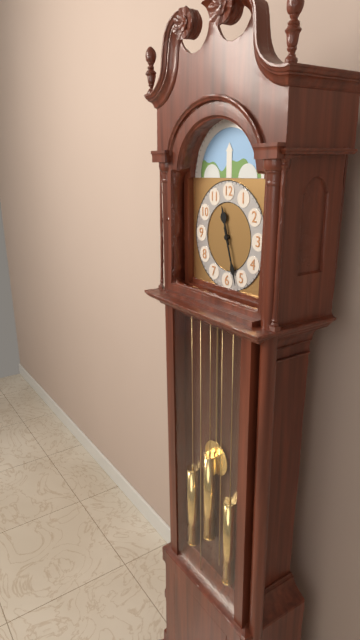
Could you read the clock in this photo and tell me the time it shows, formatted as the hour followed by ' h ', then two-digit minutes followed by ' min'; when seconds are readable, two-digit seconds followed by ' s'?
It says 11 h 27 min
